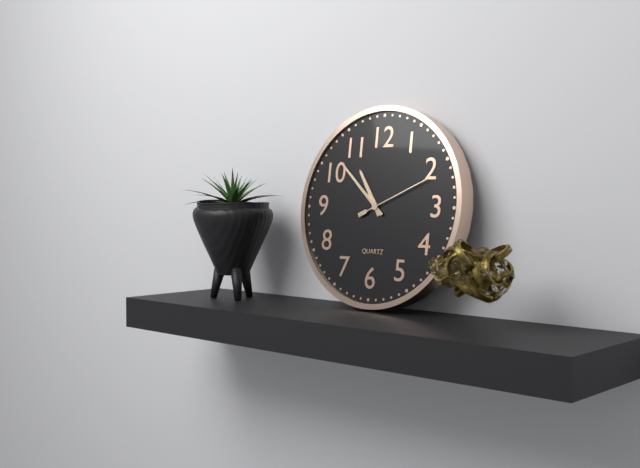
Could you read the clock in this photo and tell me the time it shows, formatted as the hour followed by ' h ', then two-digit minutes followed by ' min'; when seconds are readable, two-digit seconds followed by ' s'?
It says 10 h 52 min 11 s
